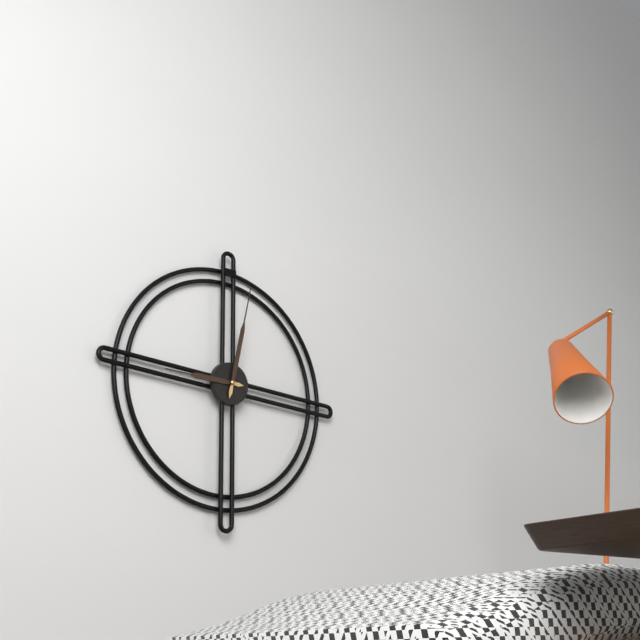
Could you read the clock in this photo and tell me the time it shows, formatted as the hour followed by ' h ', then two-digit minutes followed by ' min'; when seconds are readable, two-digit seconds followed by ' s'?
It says 9 h 02 min
